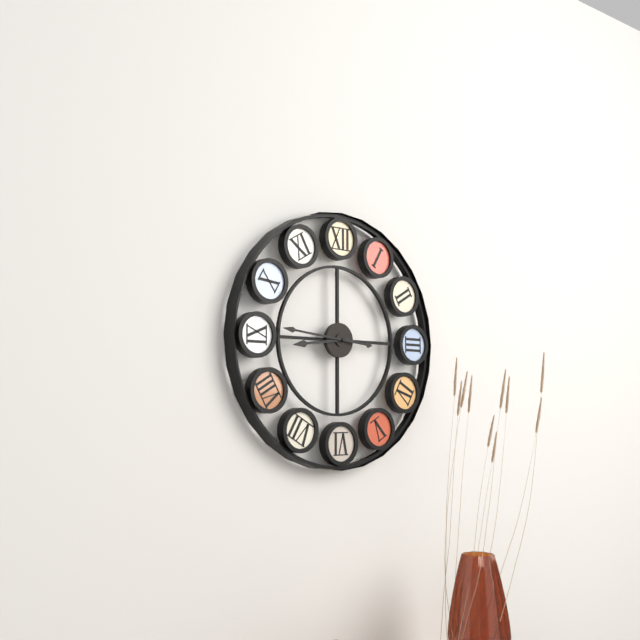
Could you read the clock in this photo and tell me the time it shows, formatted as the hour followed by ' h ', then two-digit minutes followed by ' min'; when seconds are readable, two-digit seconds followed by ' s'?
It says 8 h 46 min
